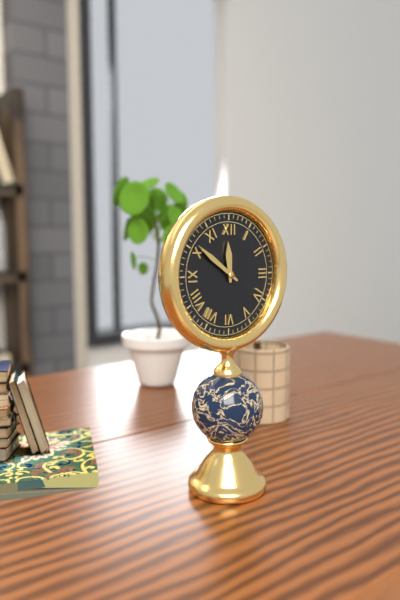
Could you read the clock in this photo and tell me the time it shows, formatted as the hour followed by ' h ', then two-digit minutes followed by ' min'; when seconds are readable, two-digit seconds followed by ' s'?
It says 11 h 51 min
